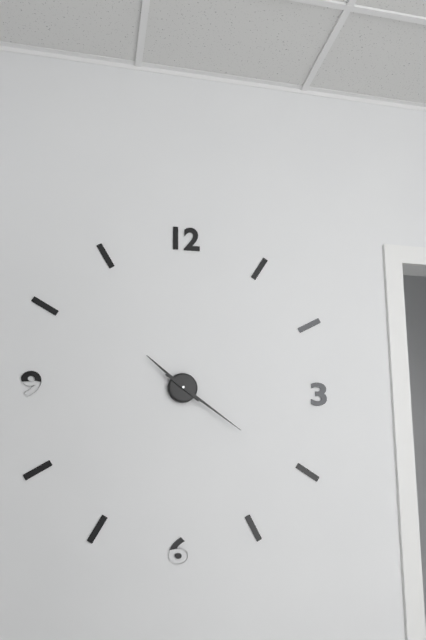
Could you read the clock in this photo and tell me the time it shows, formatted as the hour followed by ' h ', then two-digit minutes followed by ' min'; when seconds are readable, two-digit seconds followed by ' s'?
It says 10 h 21 min
